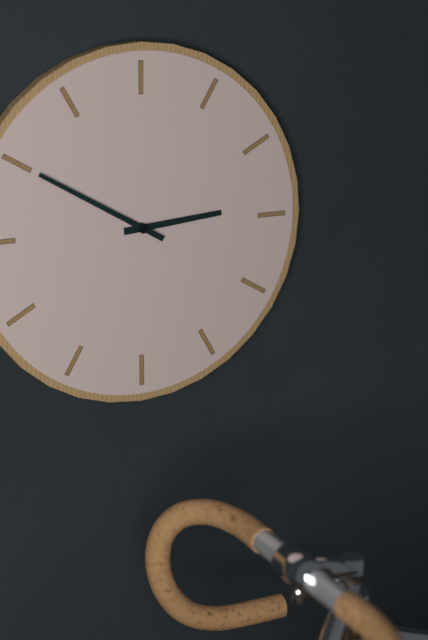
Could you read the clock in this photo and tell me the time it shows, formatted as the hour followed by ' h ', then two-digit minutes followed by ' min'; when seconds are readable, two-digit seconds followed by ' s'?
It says 2 h 50 min
